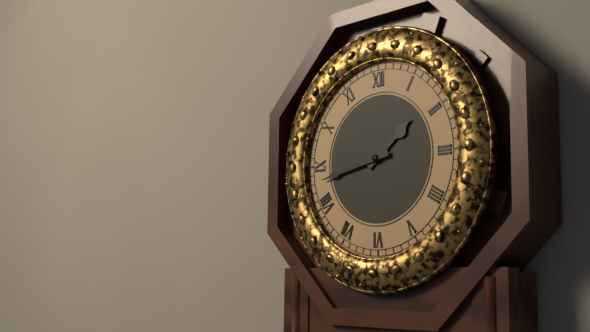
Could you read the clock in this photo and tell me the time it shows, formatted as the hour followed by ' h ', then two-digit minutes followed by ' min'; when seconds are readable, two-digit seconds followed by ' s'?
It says 1 h 43 min
